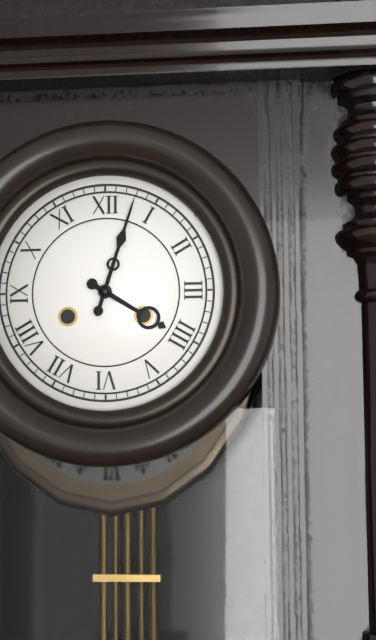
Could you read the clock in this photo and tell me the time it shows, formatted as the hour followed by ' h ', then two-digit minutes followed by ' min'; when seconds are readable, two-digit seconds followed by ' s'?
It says 4 h 03 min
